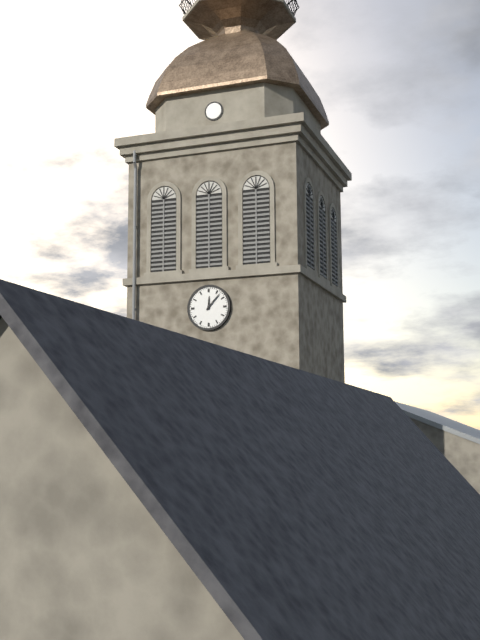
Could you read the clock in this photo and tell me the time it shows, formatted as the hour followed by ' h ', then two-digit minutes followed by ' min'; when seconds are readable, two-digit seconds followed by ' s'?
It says 12 h 07 min
